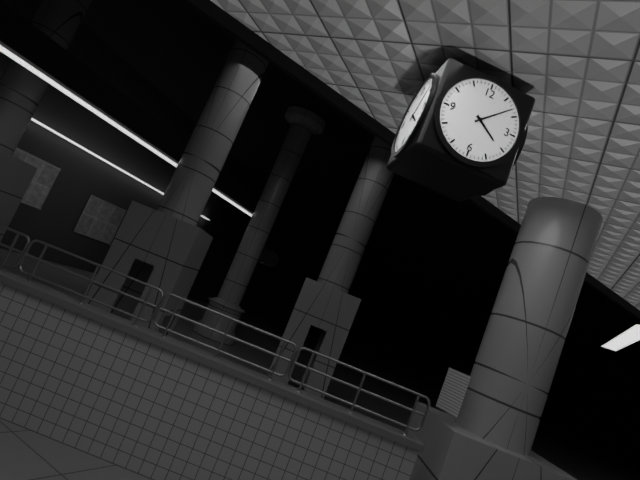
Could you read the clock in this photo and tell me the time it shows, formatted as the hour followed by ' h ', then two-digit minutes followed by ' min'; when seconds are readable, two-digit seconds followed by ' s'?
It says 4 h 08 min
